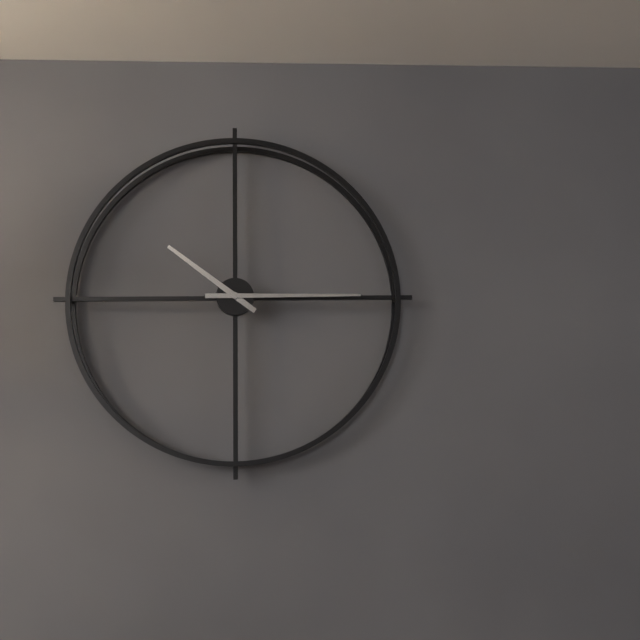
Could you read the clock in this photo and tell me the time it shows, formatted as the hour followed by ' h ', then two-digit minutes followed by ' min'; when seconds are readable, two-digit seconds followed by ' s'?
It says 10 h 15 min
